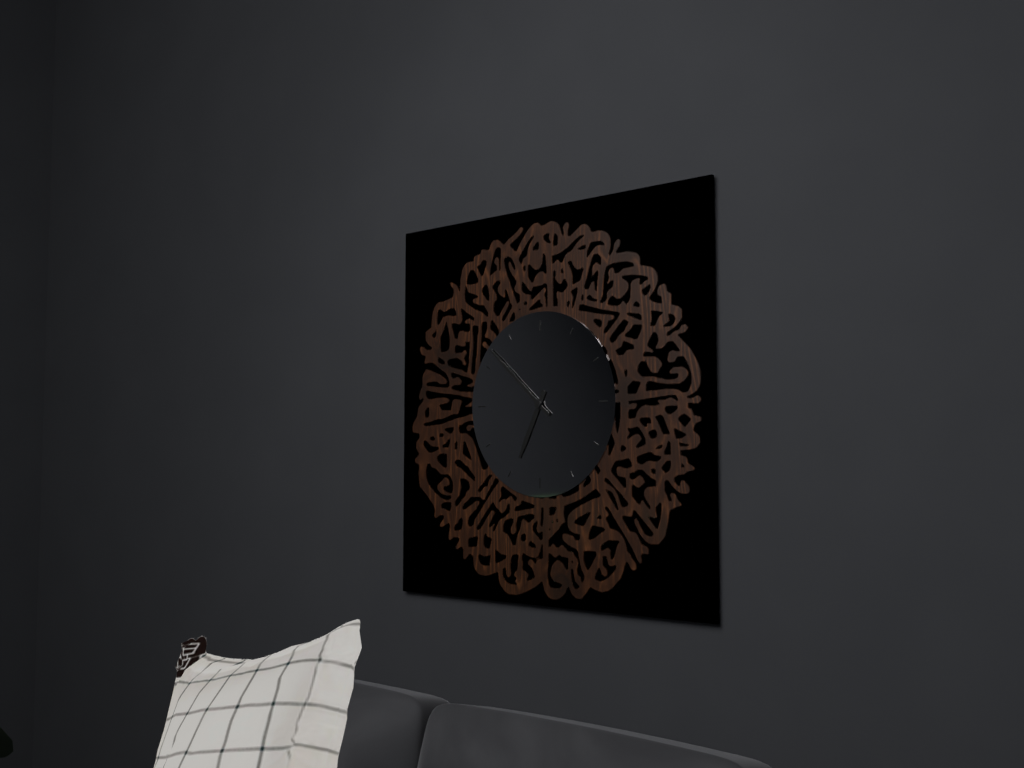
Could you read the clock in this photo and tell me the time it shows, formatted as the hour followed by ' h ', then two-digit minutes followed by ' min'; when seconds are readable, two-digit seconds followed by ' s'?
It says 6 h 52 min
